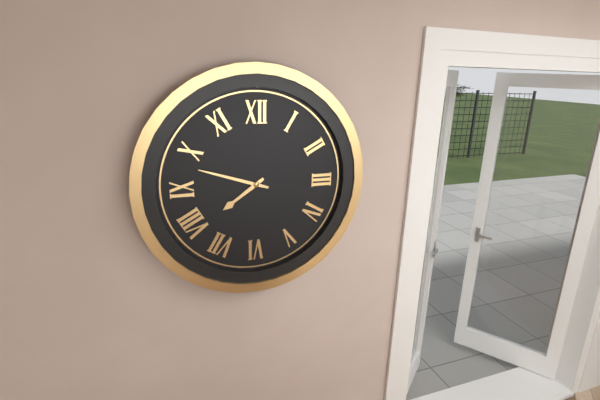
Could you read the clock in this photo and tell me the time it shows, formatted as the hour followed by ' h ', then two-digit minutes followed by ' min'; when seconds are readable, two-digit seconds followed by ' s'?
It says 7 h 48 min
